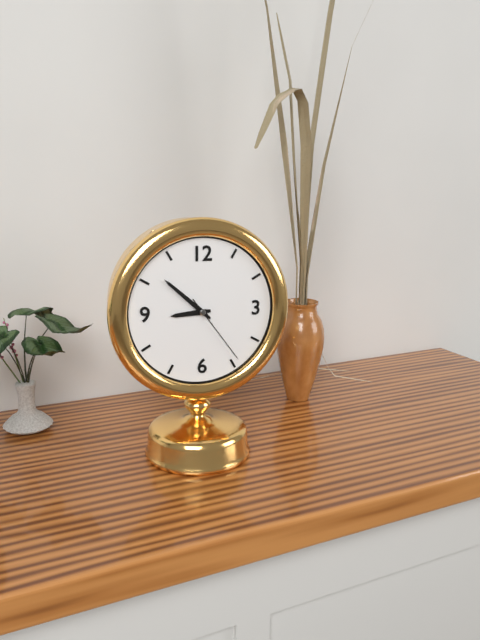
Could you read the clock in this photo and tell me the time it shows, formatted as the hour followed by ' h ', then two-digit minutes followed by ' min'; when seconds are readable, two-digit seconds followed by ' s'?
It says 8 h 52 min 24 s
